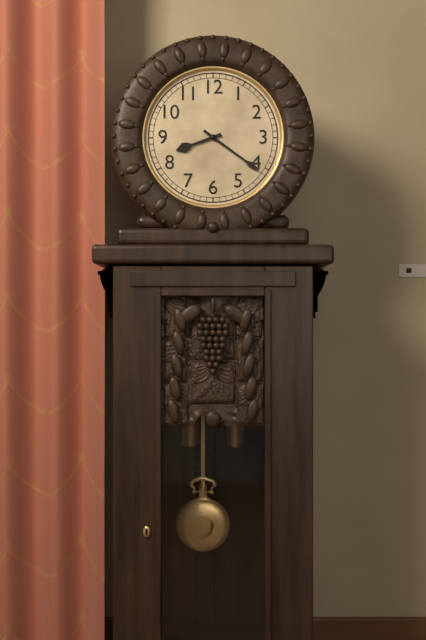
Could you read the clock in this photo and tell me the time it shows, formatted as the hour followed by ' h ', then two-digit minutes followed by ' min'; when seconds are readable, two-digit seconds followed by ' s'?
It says 8 h 21 min
